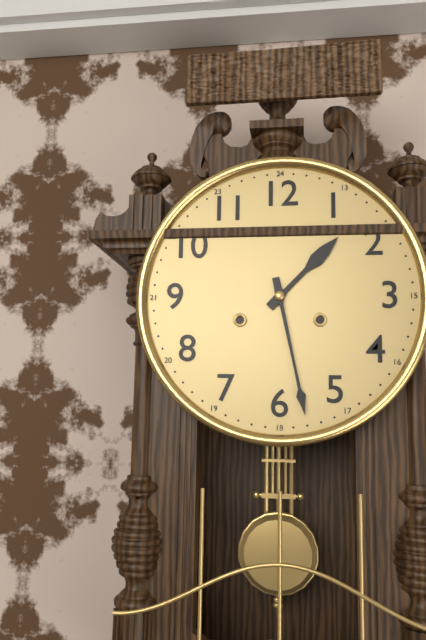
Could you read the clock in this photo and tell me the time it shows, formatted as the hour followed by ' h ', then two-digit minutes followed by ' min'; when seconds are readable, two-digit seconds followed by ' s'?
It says 1 h 28 min
